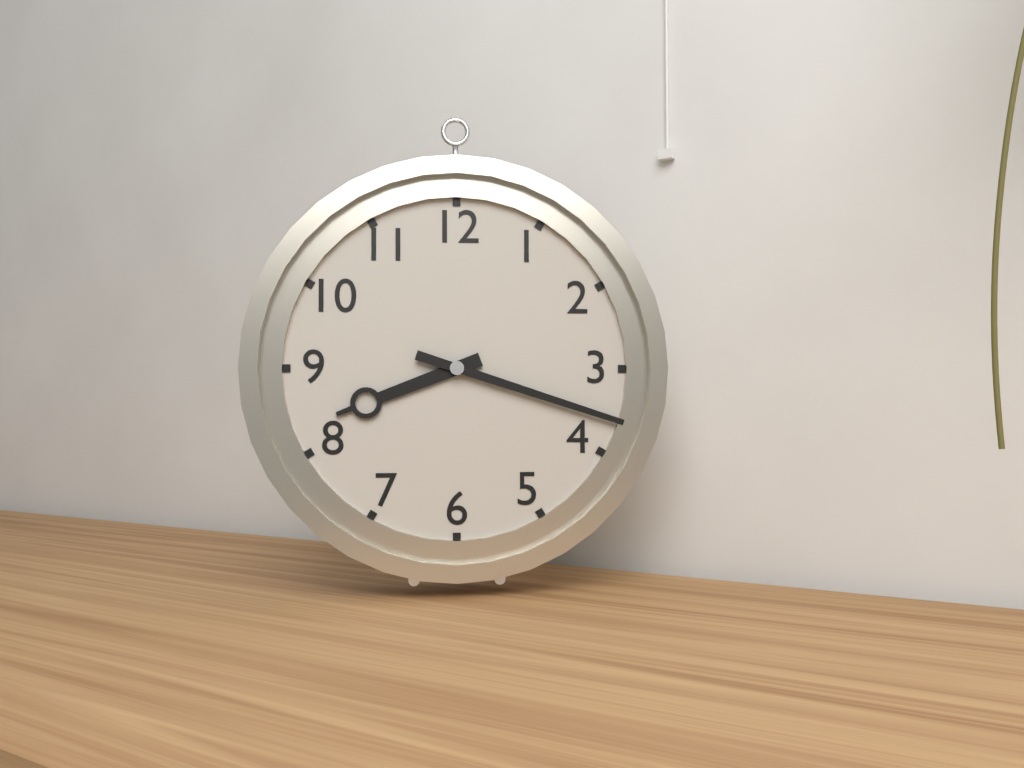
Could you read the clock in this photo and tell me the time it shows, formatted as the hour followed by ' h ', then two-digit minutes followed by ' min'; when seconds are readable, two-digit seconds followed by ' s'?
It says 8 h 18 min
